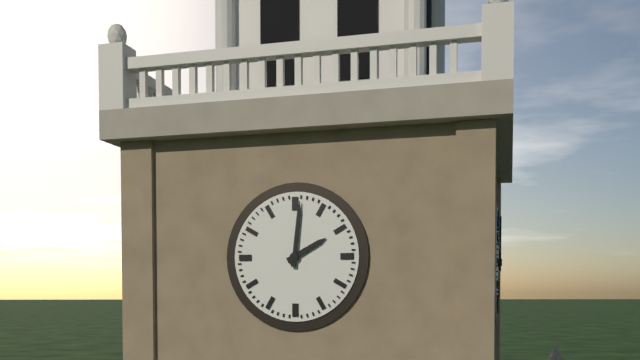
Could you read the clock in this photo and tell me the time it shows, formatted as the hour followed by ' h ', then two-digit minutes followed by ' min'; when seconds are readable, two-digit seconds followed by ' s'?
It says 2 h 01 min
